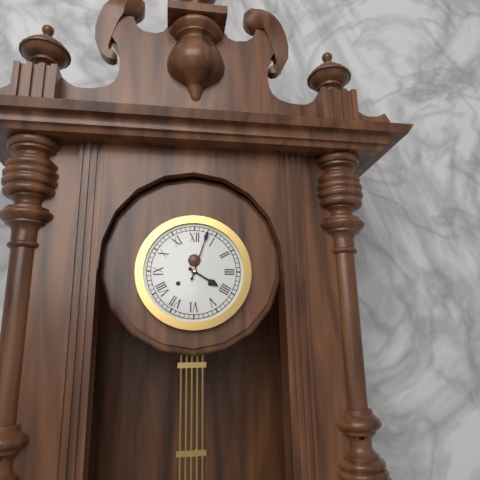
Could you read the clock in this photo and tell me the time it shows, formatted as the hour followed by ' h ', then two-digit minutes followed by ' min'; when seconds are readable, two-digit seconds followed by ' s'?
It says 4 h 03 min
